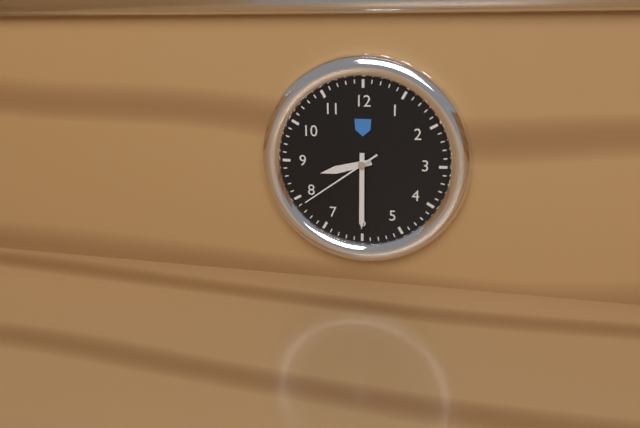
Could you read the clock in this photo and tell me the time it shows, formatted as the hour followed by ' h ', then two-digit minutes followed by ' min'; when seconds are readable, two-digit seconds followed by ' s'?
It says 8 h 30 min 39 s
